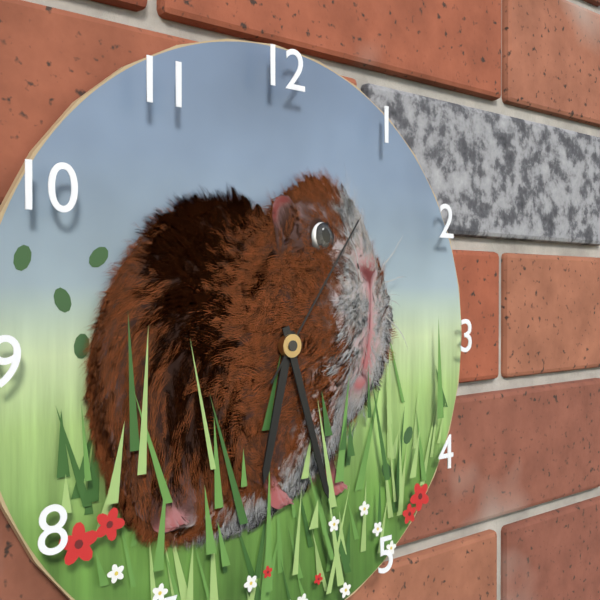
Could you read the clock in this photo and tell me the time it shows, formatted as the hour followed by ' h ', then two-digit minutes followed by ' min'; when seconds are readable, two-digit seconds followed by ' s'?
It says 6 h 27 min 06 s
